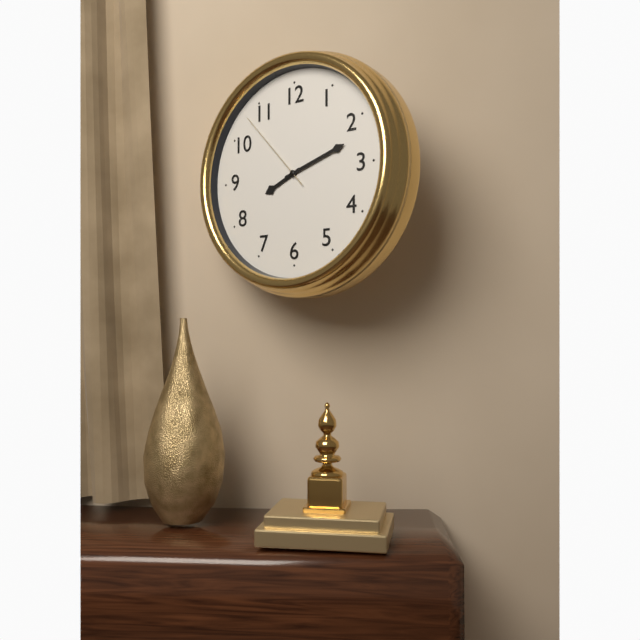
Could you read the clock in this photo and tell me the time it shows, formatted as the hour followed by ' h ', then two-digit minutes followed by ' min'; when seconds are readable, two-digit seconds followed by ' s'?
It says 8 h 12 min 53 s
